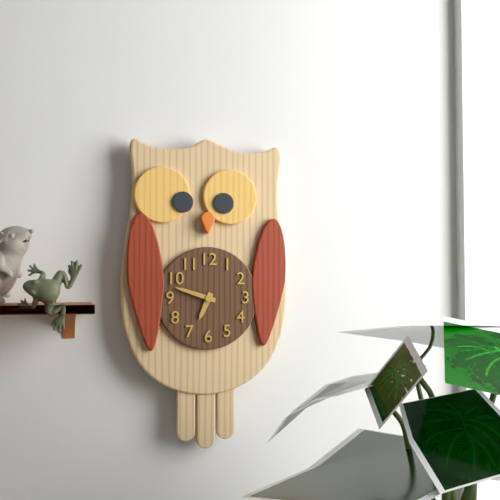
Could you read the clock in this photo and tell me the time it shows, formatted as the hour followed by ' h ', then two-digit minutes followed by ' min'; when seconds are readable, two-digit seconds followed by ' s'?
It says 6 h 48 min
